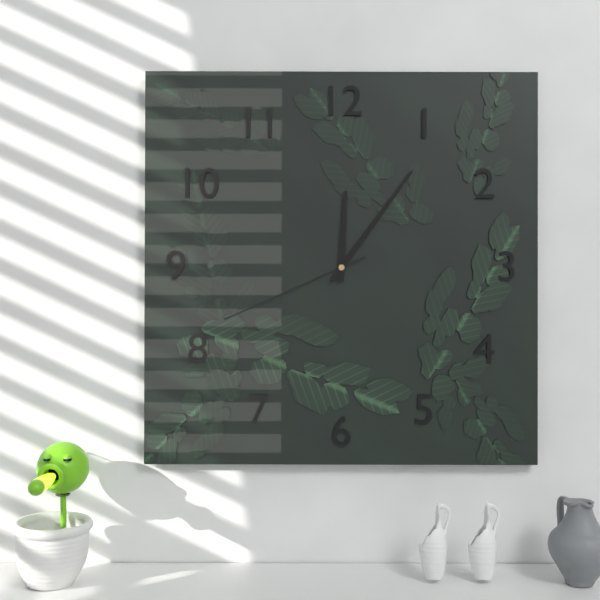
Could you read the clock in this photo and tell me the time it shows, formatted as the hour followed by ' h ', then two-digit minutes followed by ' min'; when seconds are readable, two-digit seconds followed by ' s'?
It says 12 h 06 min 41 s
